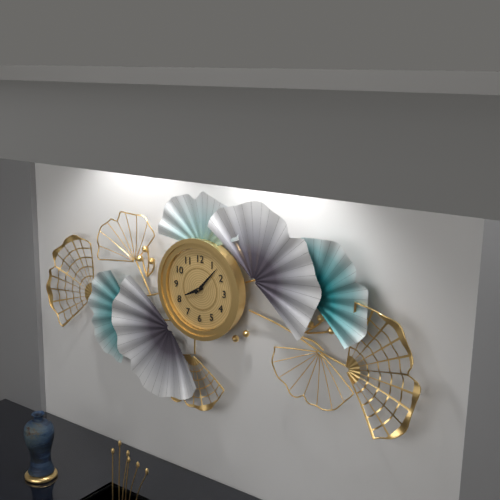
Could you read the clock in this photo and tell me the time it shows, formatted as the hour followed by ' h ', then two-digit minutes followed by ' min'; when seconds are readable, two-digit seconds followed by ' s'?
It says 8 h 07 min
